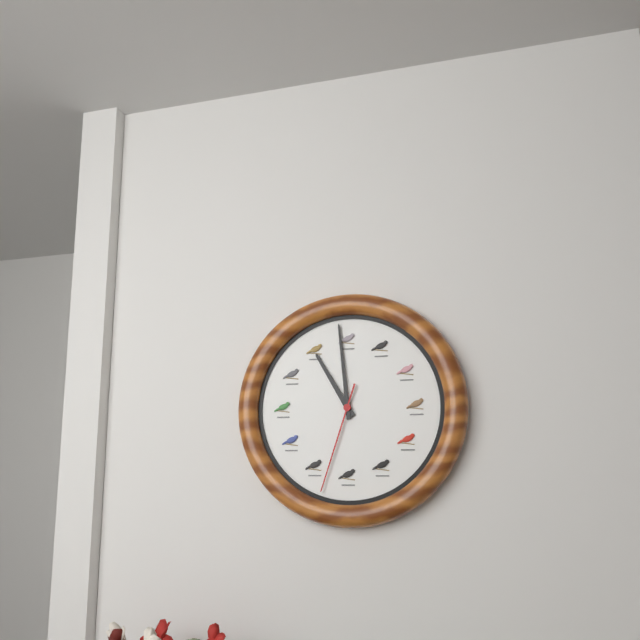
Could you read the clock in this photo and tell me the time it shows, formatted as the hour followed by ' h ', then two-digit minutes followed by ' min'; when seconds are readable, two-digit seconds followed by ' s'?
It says 10 h 59 min 33 s
